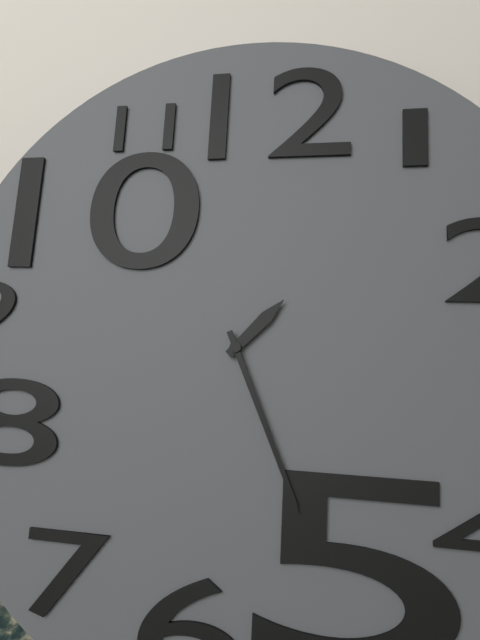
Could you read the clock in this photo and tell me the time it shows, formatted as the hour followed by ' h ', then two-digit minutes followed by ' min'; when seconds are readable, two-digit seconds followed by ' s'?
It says 1 h 26 min
